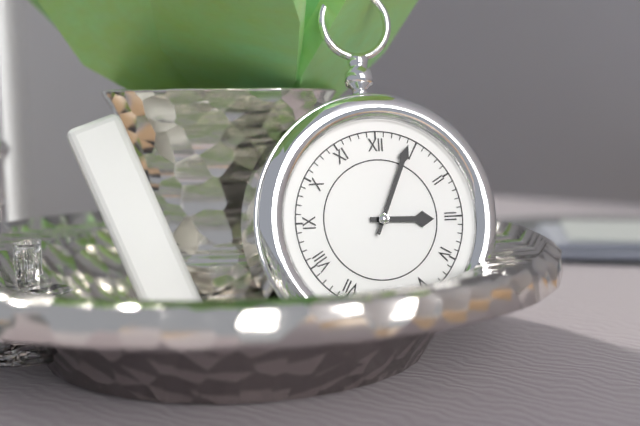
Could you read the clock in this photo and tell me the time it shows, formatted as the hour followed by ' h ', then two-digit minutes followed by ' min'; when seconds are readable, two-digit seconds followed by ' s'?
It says 3 h 04 min
